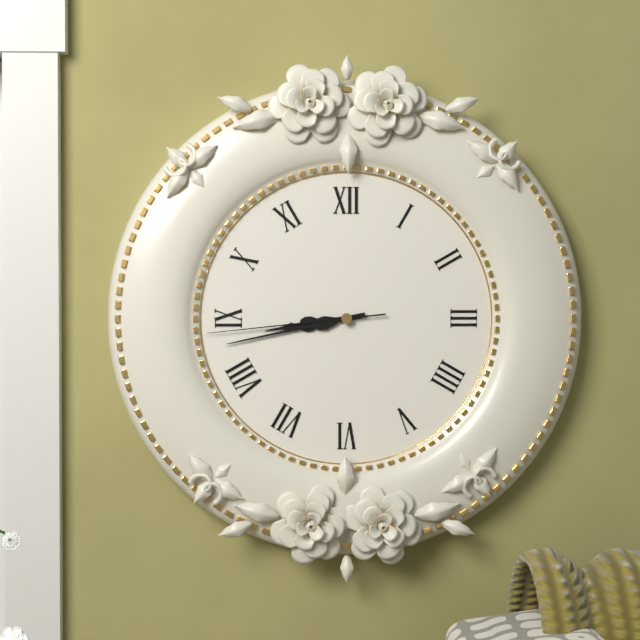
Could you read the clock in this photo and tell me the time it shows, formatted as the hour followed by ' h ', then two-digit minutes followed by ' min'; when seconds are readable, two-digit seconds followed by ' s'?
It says 8 h 43 min 44 s
